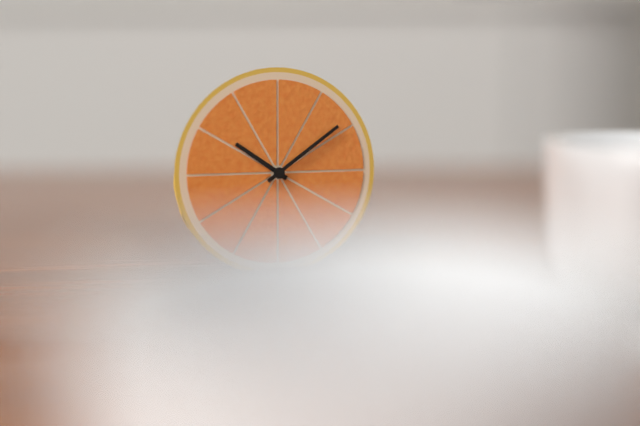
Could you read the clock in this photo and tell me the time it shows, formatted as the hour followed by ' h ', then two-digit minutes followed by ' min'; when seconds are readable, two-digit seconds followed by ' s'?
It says 10 h 09 min
